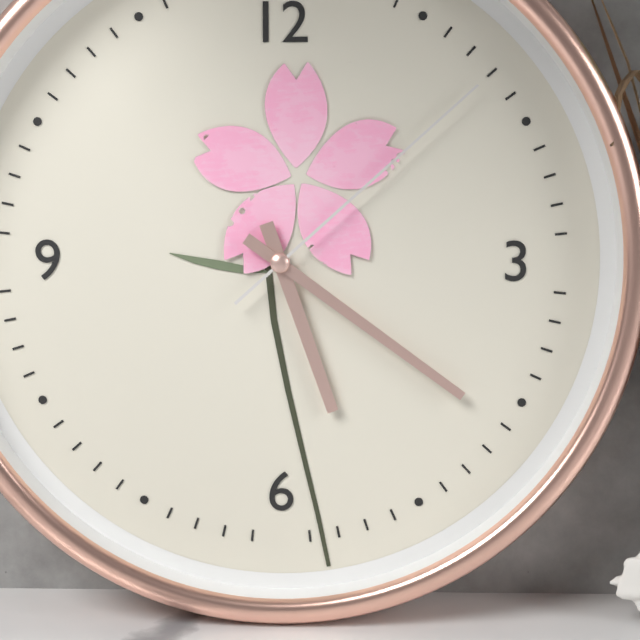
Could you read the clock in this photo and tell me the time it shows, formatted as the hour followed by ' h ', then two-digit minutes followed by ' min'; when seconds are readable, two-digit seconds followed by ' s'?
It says 5 h 21 min 08 s
